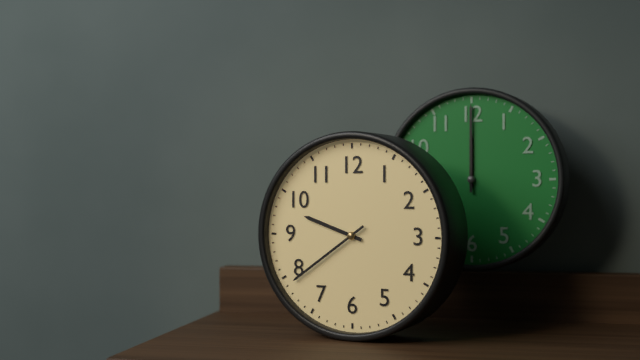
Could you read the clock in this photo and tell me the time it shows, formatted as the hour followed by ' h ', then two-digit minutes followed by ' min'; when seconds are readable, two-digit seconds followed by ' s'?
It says 9 h 39 min
